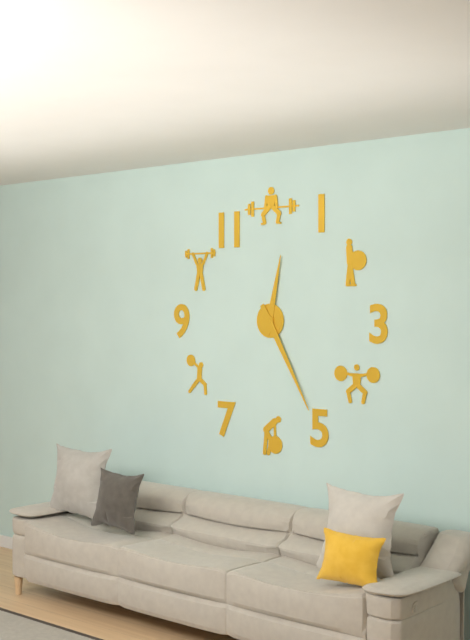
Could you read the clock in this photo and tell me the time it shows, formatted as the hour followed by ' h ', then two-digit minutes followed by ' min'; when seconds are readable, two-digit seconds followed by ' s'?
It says 12 h 25 min
